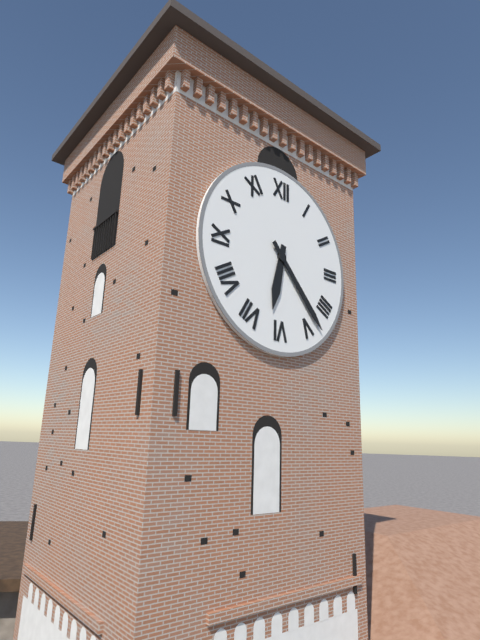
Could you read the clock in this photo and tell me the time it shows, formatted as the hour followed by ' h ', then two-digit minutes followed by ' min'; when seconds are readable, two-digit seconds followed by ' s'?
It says 6 h 23 min
